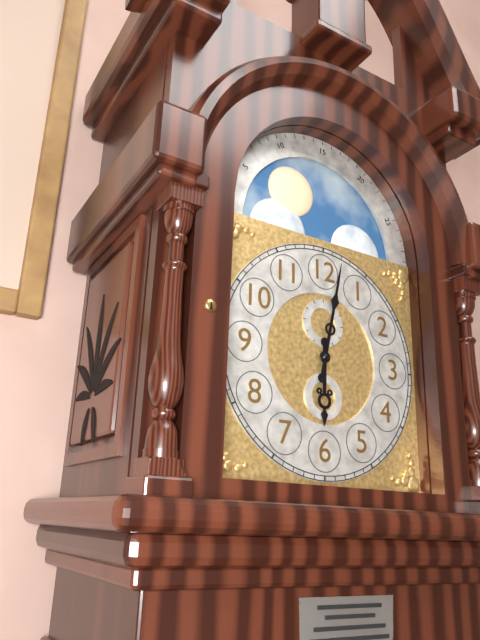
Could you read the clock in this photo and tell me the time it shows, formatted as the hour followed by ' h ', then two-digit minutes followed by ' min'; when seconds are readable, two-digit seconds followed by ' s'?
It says 6 h 02 min
